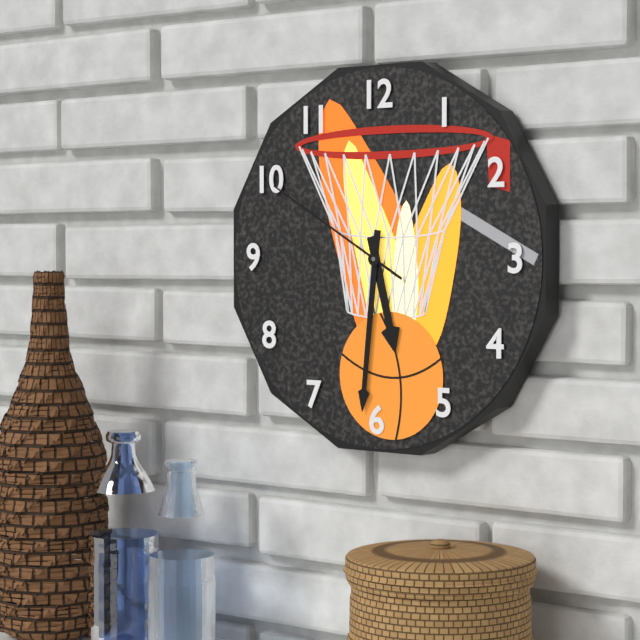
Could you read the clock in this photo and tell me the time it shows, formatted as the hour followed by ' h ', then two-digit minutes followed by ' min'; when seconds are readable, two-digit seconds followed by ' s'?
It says 5 h 31 min 50 s
